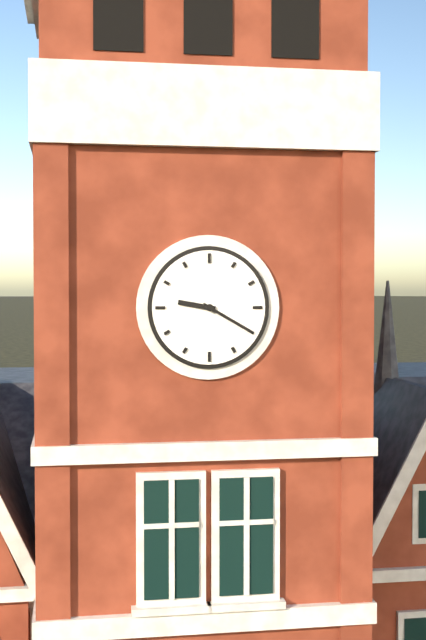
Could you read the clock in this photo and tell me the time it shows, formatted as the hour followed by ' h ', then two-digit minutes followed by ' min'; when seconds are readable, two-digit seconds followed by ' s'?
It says 9 h 20 min
